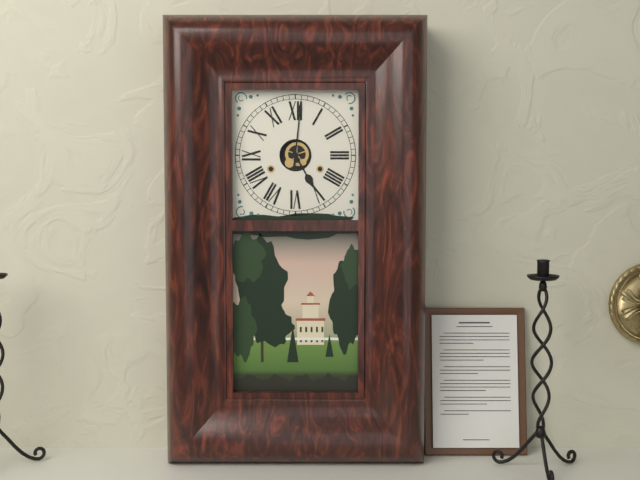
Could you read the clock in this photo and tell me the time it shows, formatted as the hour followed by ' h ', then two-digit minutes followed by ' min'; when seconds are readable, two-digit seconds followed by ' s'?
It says 5 h 01 min
